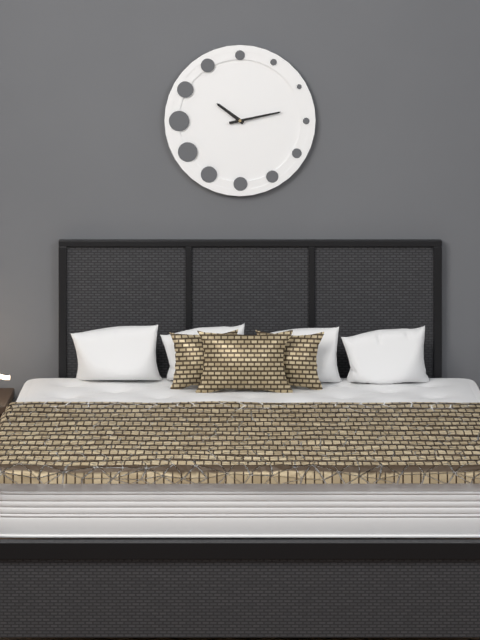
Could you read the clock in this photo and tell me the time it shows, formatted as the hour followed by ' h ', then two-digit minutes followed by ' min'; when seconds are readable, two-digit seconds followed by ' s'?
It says 10 h 13 min
